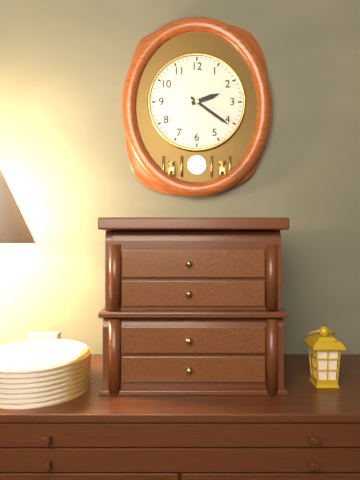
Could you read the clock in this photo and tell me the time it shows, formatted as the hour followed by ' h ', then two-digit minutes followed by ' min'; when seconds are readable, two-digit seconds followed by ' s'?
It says 2 h 21 min
